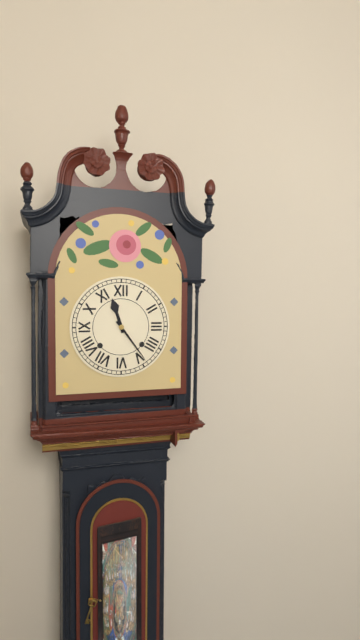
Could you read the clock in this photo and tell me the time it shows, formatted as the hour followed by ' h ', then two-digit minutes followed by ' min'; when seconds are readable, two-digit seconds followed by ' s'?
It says 11 h 24 min
